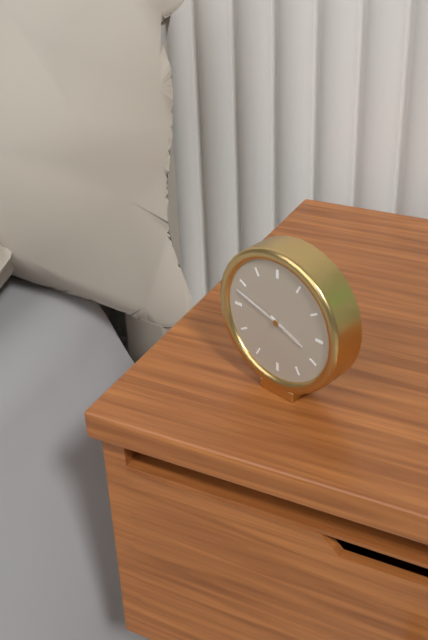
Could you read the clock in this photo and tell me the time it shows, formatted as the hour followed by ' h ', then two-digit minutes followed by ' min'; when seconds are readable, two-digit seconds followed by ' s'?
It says 3 h 48 min
